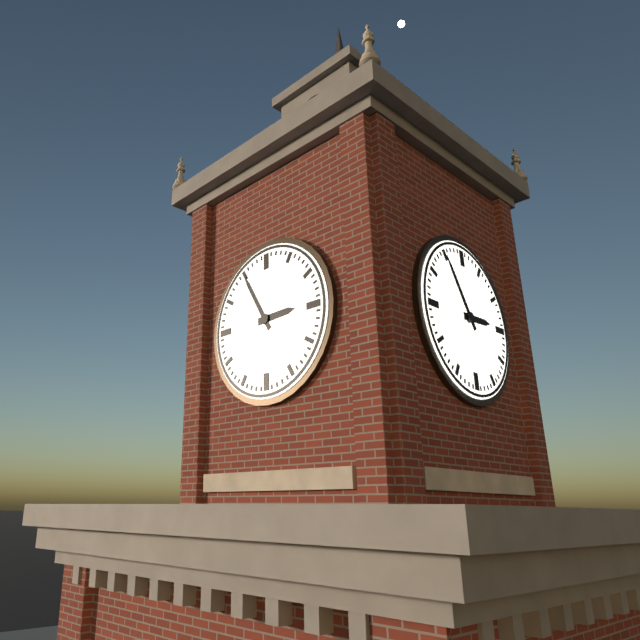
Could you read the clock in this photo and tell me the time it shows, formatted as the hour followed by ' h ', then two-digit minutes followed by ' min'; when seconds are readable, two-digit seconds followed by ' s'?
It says 2 h 55 min
